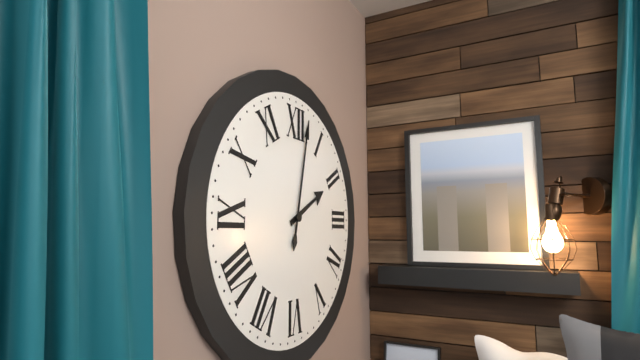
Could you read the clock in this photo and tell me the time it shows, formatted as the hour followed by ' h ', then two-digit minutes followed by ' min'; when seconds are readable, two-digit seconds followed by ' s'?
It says 2 h 02 min
